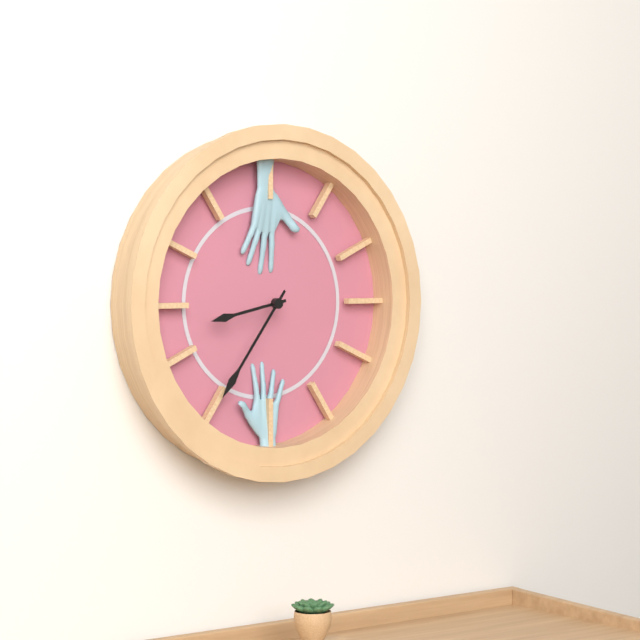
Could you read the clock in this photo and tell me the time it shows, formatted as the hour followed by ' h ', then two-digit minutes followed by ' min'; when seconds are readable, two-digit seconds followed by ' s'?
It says 8 h 36 min
